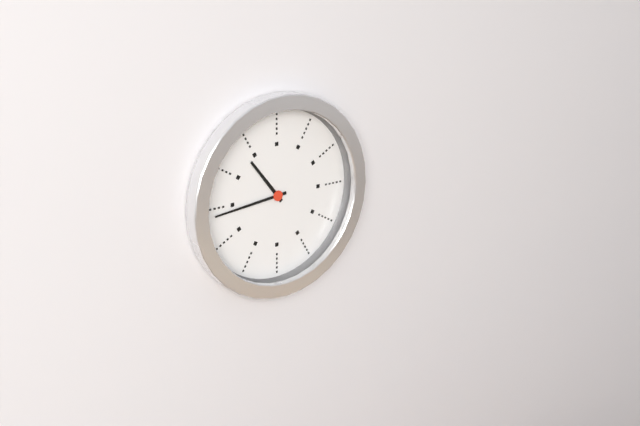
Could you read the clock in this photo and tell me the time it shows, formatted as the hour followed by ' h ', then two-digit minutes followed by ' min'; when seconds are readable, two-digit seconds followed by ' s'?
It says 10 h 44 min
